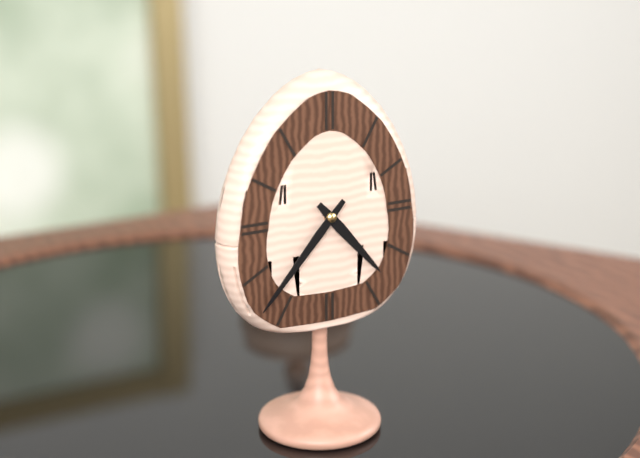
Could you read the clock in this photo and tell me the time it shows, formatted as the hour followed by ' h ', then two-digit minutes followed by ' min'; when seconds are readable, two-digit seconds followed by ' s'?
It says 4 h 37 min
